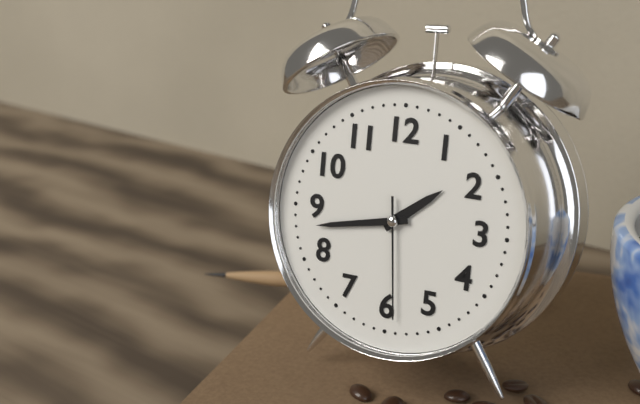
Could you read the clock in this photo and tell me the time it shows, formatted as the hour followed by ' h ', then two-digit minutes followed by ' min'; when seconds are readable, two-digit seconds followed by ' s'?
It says 1 h 43 min 29 s
